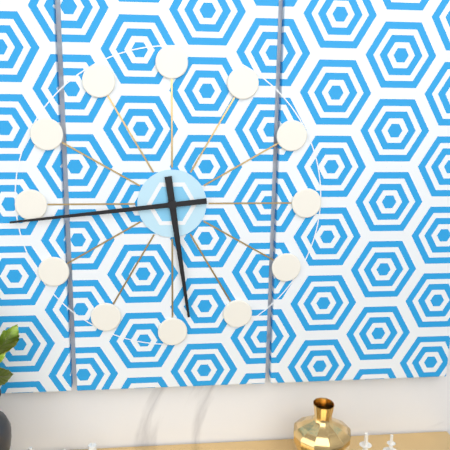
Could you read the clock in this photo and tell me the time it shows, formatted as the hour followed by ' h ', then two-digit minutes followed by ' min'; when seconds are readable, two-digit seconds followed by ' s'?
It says 5 h 44 min
